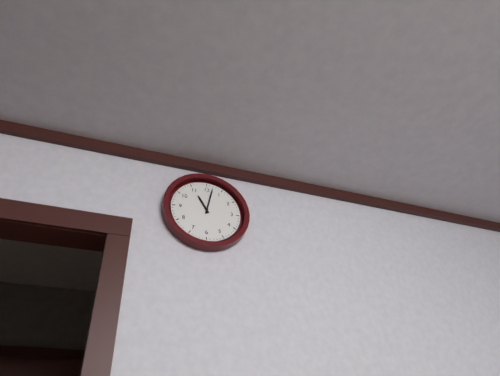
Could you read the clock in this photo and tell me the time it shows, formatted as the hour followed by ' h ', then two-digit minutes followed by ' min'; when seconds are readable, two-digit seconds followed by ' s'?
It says 11 h 02 min
